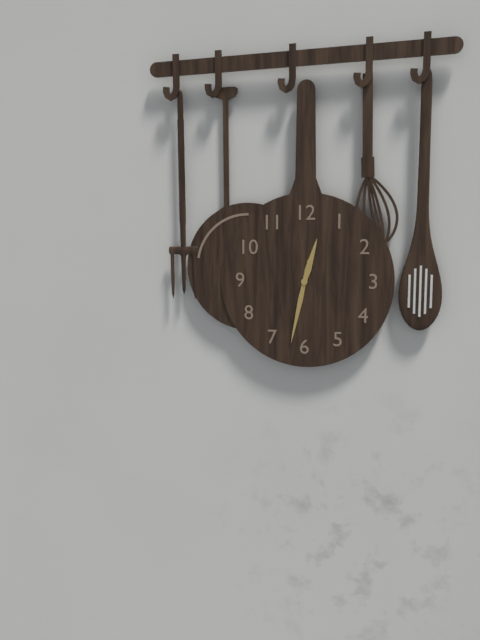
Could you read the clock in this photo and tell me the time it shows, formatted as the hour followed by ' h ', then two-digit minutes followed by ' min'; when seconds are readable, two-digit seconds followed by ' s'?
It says 12 h 32 min
